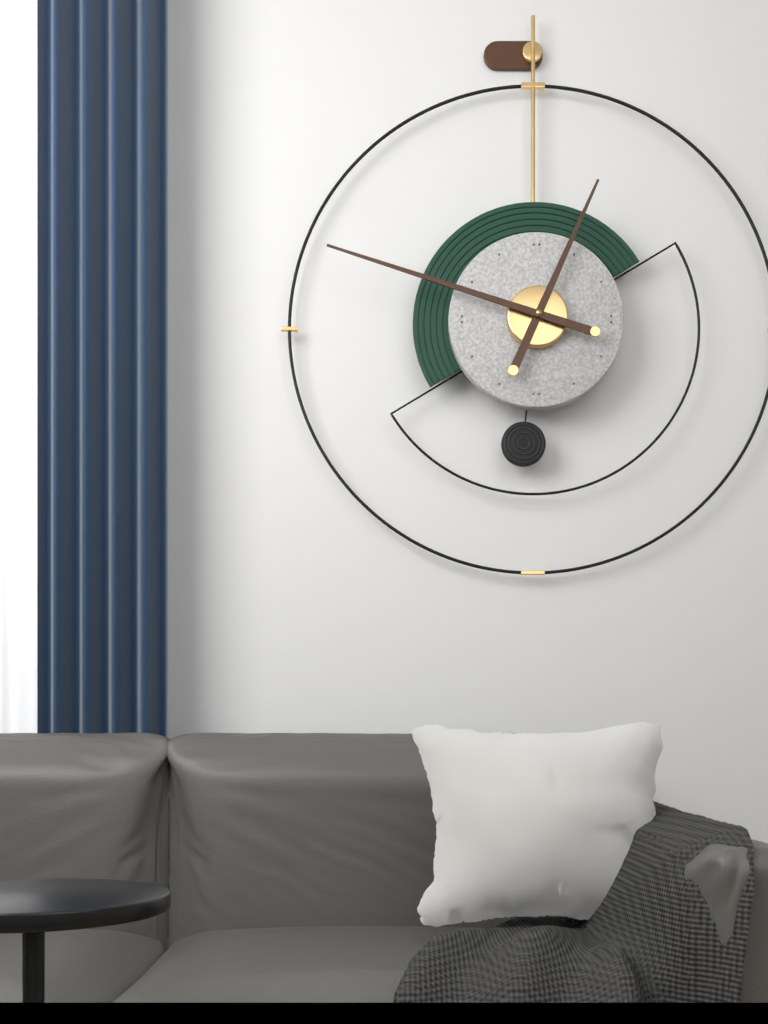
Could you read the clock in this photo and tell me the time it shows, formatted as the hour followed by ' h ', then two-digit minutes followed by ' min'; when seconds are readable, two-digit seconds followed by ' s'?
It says 12 h 48 min
